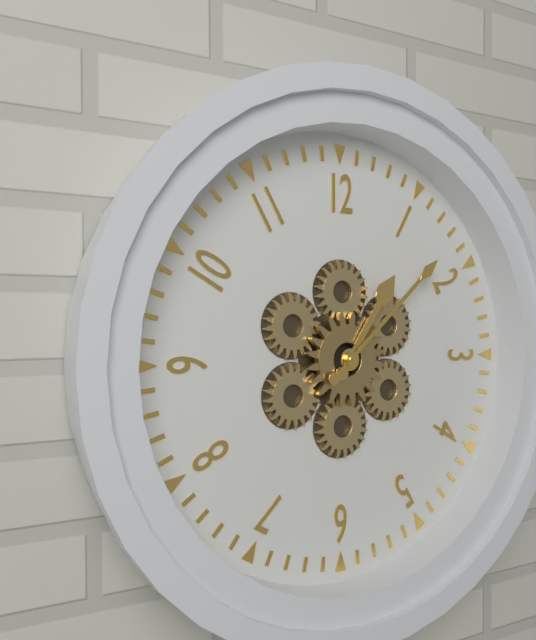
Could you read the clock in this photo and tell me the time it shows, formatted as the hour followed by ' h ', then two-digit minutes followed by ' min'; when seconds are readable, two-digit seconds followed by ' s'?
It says 1 h 08 min
